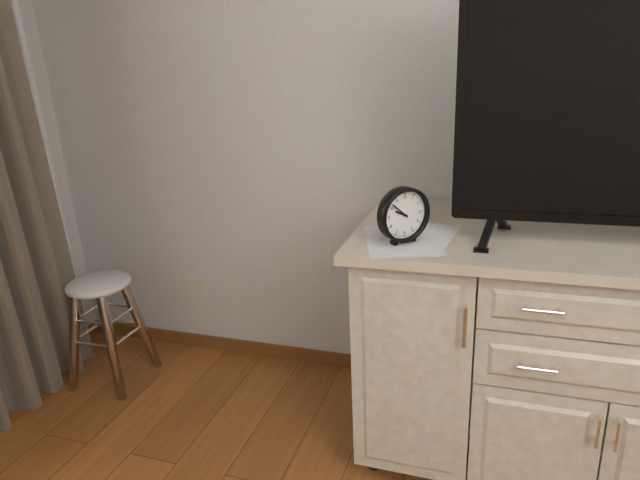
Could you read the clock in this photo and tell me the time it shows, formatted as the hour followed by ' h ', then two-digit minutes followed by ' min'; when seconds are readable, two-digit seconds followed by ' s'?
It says 9 h 52 min
